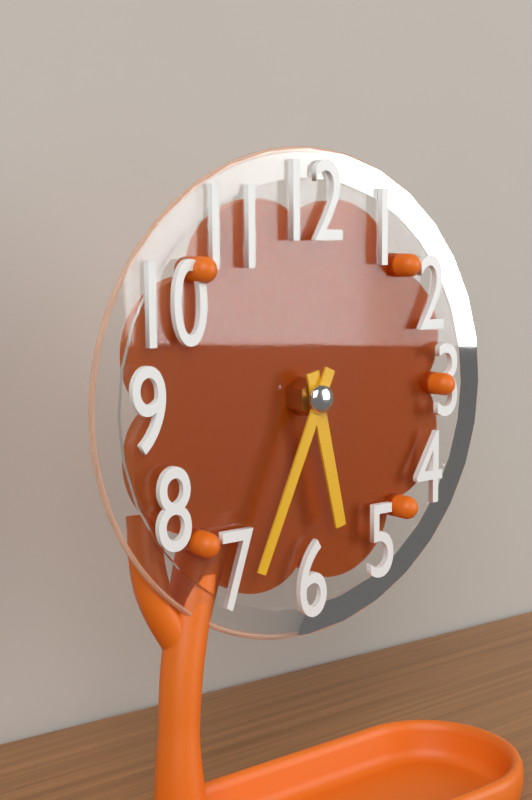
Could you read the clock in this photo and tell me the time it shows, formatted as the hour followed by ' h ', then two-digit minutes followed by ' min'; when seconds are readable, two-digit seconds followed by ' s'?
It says 5 h 34 min
